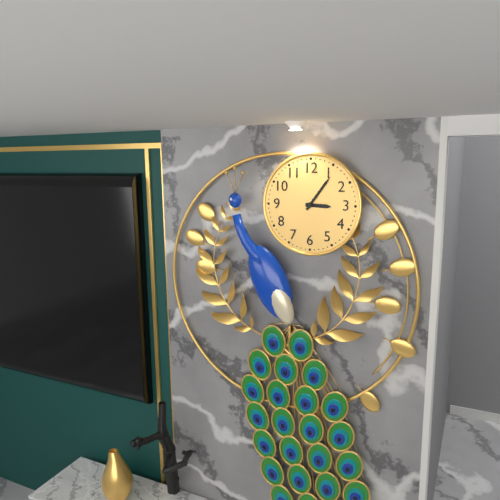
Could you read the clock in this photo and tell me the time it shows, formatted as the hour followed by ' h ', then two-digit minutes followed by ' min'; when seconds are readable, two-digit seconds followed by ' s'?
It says 3 h 06 min
